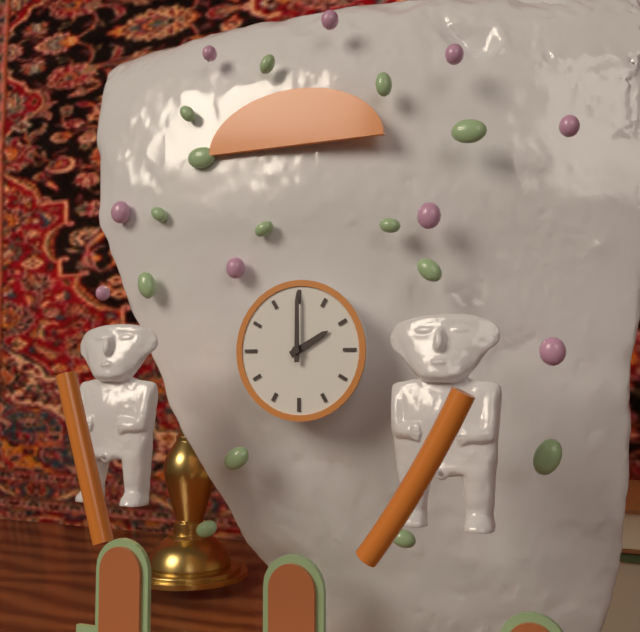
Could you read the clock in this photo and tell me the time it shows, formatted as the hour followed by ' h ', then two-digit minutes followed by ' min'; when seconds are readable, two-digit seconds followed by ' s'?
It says 2 h 00 min
